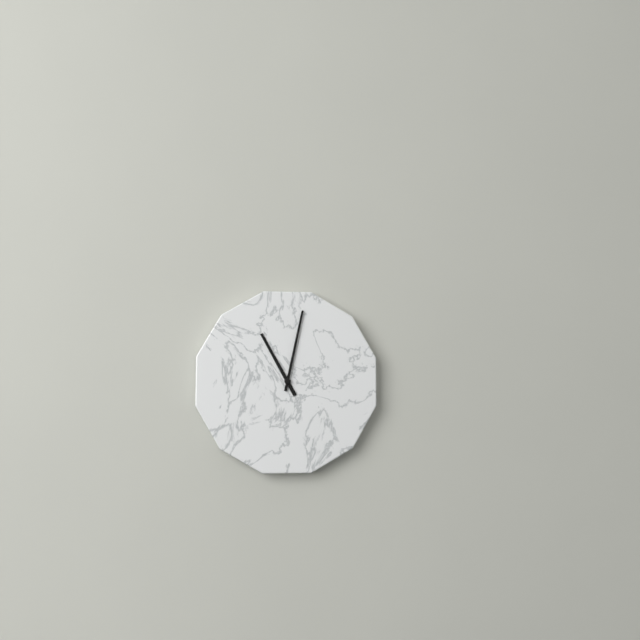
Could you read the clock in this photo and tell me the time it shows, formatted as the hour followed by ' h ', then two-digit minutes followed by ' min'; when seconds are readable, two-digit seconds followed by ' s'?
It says 11 h 02 min
